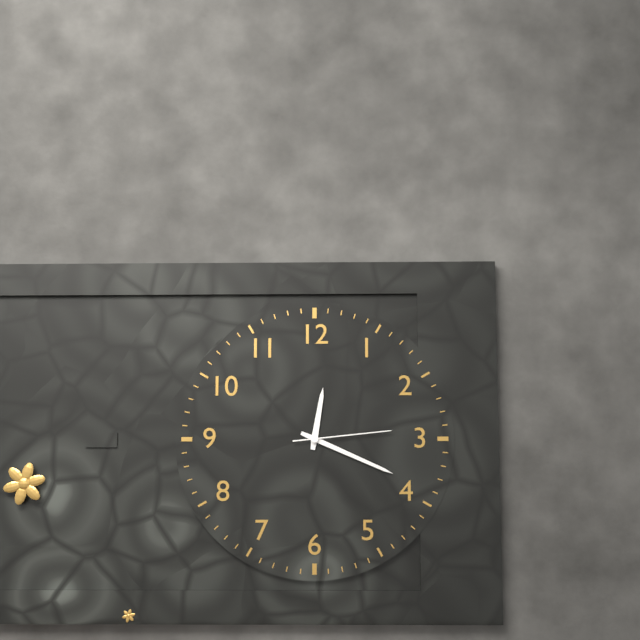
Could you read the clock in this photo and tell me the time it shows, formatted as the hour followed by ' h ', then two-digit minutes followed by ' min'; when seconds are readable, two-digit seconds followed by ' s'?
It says 12 h 19 min 14 s
